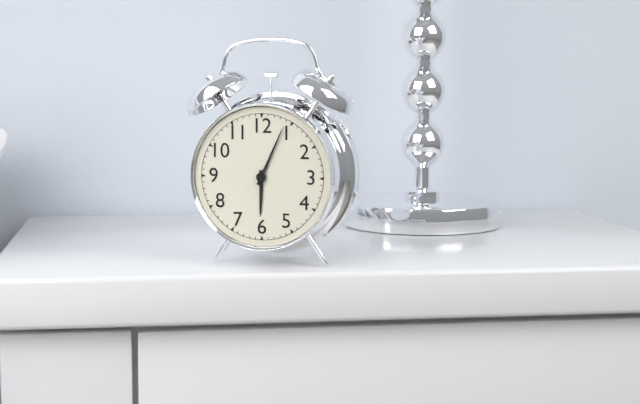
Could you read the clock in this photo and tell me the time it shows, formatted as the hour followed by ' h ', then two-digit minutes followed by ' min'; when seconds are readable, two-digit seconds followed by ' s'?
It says 6 h 04 min
